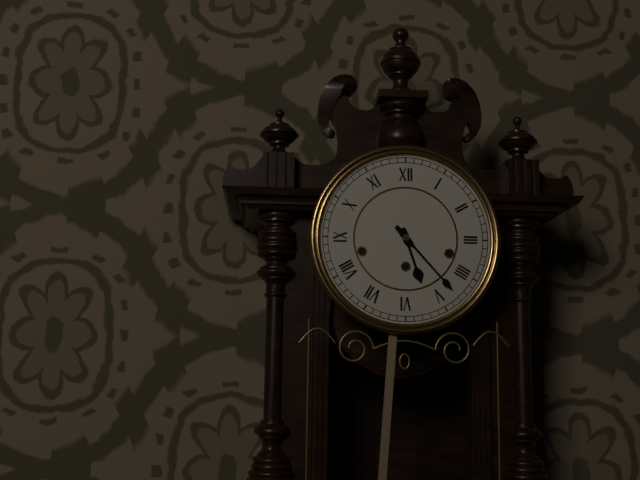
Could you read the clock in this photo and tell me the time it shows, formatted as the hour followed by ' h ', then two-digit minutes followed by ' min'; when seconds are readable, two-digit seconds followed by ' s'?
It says 5 h 23 min
